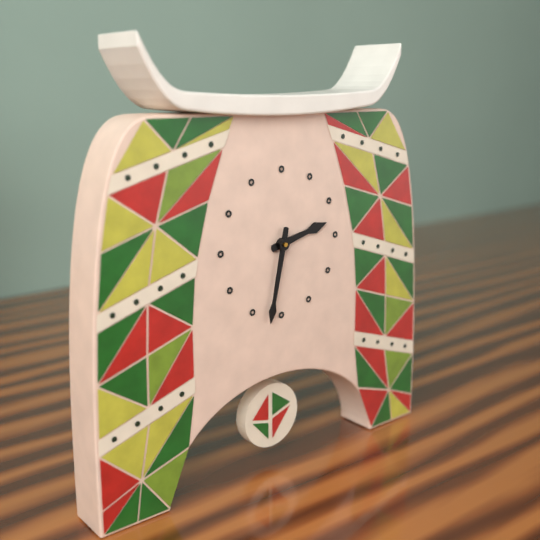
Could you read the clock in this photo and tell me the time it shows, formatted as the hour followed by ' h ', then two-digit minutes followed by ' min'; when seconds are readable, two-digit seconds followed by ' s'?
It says 2 h 32 min
